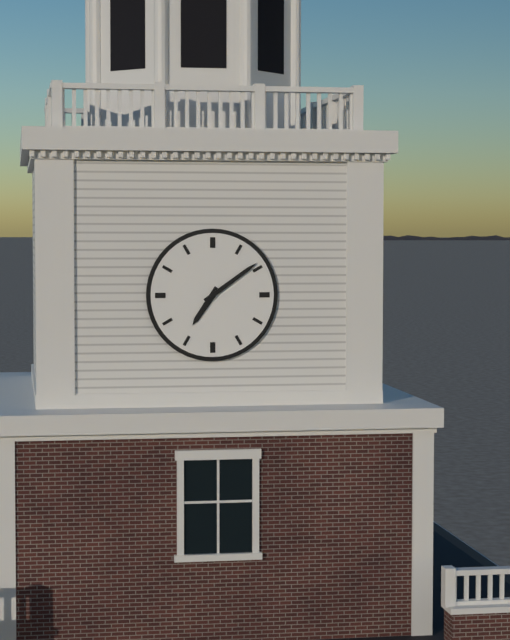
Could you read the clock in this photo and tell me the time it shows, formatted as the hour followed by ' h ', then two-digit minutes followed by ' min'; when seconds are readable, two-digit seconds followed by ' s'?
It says 7 h 09 min
